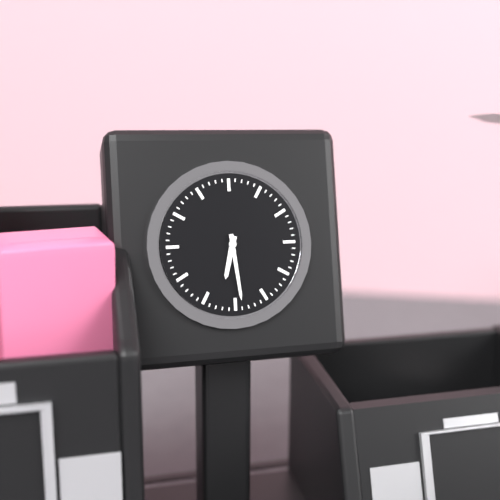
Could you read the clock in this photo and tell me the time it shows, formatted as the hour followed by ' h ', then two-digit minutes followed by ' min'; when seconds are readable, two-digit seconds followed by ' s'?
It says 6 h 29 min
